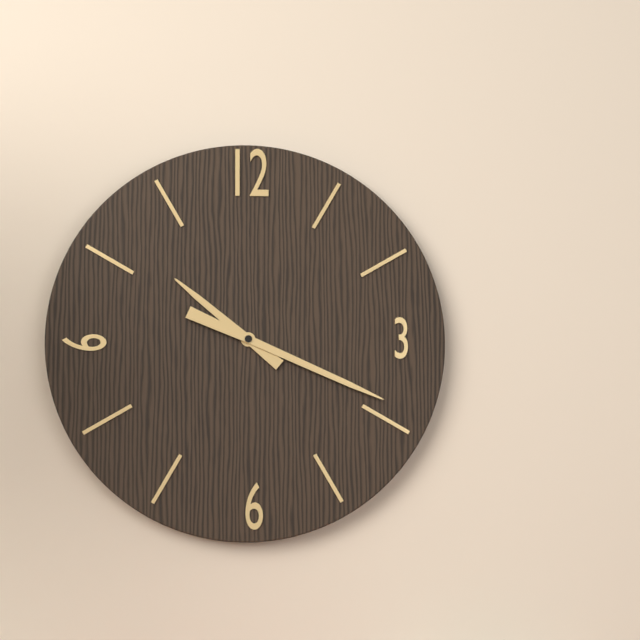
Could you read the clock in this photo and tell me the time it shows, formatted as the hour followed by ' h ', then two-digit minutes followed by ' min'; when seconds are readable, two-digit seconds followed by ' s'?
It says 10 h 19 min
